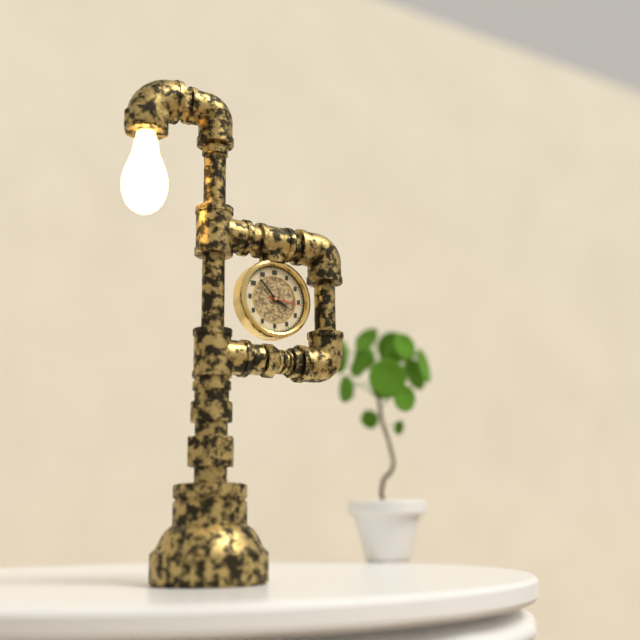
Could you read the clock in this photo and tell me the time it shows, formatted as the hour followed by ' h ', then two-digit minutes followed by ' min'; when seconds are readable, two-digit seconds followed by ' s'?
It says 3 h 53 min
